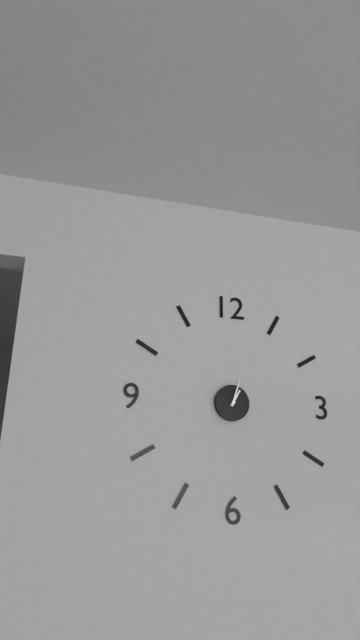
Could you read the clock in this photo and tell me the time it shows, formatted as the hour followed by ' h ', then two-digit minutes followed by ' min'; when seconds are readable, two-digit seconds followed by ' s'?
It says 1 h 03 min
